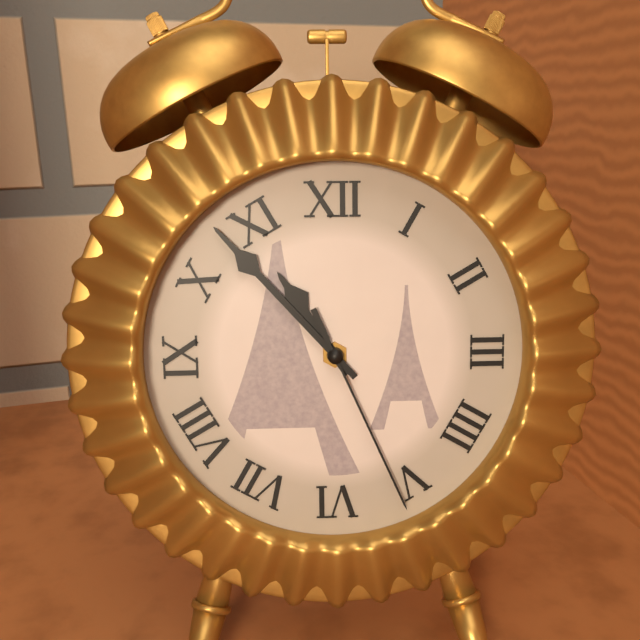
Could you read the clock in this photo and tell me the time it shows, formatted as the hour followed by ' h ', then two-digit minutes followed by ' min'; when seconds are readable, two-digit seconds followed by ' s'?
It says 10 h 53 min 26 s
